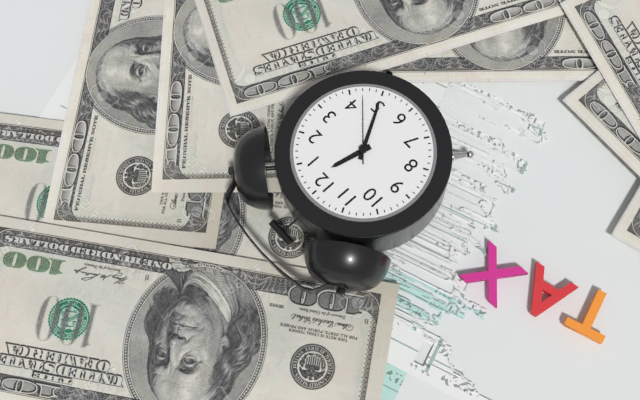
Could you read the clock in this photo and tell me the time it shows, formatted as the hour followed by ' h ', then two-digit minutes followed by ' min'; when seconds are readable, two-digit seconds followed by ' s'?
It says 12 h 25 min 22 s
